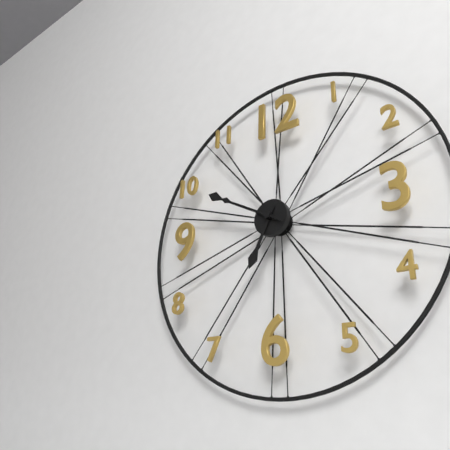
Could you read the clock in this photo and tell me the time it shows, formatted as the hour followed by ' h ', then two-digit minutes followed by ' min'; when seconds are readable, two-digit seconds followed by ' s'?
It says 6 h 50 min 50 s
